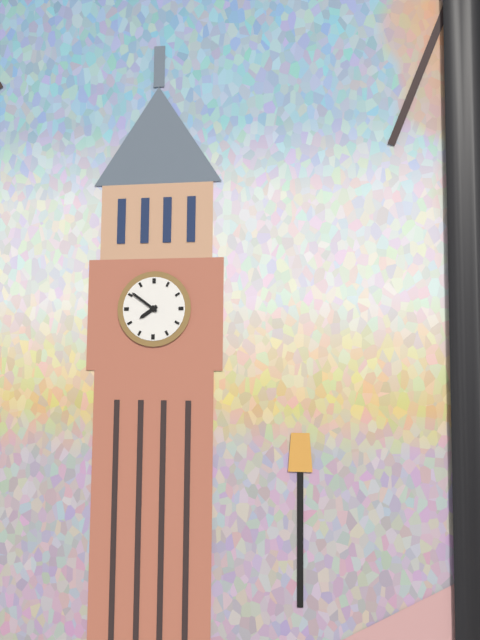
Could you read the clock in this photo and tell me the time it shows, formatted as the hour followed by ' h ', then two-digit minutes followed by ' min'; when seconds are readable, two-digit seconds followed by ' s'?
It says 7 h 51 min
